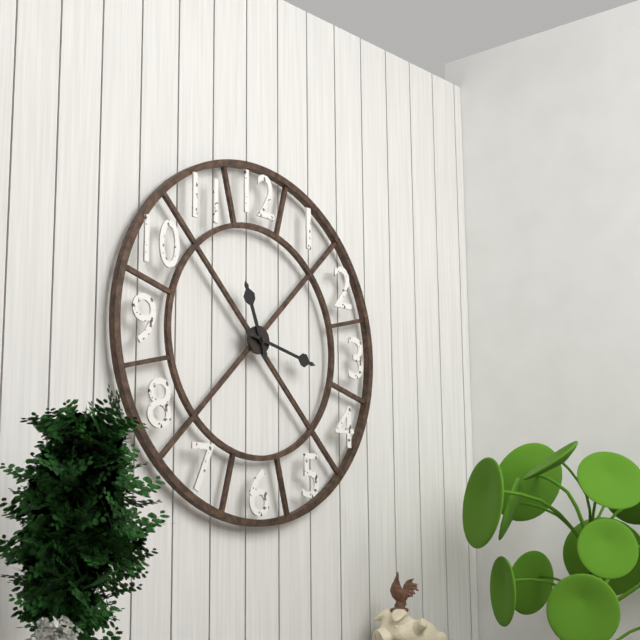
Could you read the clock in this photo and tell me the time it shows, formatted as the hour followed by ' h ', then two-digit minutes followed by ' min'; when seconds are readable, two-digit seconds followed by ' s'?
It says 11 h 17 min
